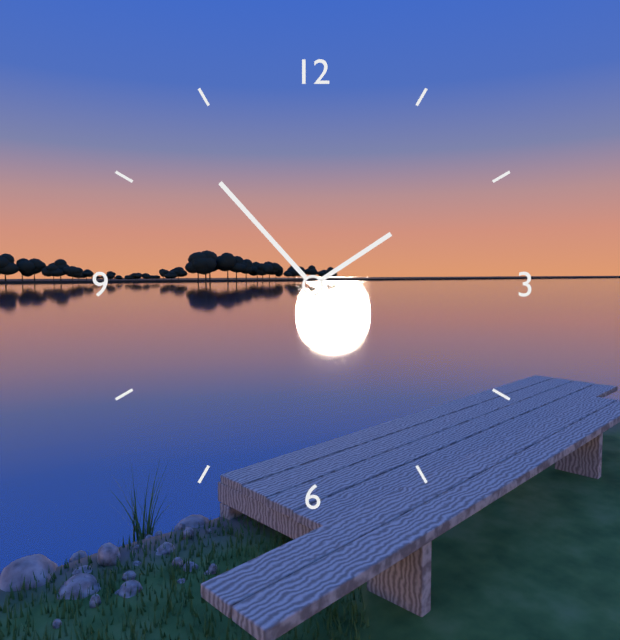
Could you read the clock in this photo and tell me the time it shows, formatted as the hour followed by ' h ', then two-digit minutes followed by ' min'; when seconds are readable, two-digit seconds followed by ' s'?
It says 1 h 53 min
